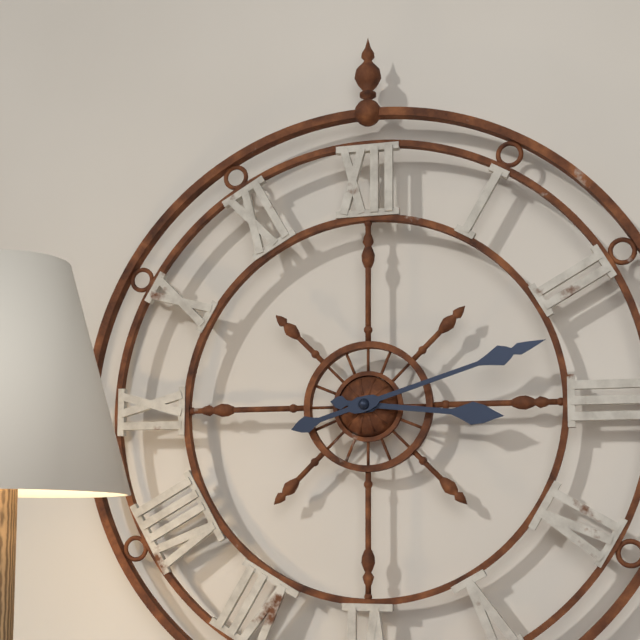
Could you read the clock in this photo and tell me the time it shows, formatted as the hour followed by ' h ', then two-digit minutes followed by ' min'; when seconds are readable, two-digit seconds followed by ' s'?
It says 3 h 12 min
